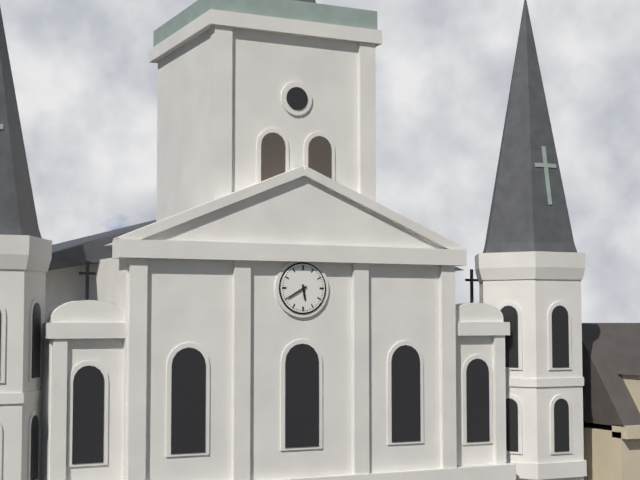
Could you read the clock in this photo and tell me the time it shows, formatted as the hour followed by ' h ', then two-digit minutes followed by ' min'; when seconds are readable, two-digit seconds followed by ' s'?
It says 5 h 40 min
